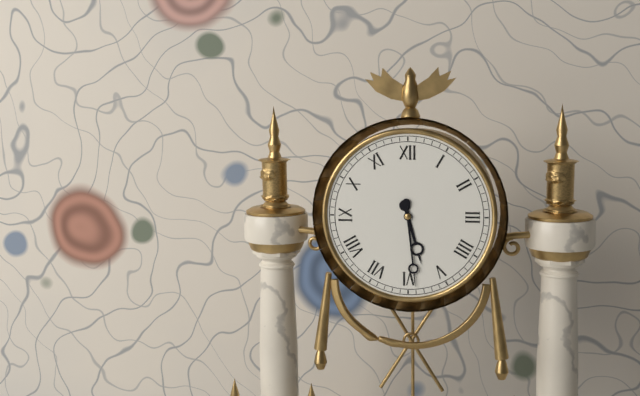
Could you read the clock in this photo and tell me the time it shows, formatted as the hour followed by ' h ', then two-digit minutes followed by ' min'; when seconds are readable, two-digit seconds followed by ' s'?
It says 5 h 29 min
